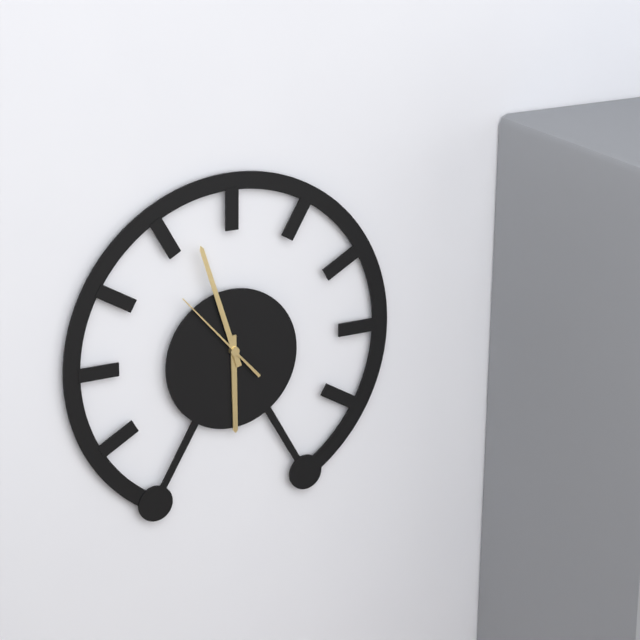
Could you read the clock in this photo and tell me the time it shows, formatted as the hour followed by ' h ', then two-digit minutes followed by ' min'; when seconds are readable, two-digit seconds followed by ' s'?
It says 5 h 57 min 53 s
